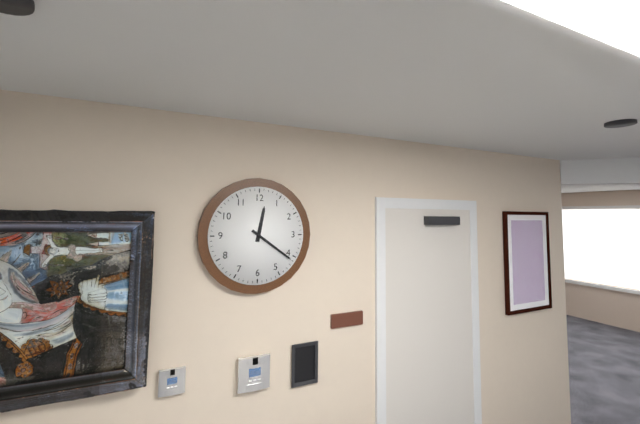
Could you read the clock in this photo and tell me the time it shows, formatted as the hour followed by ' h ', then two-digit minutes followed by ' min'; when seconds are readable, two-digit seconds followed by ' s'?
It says 12 h 21 min
